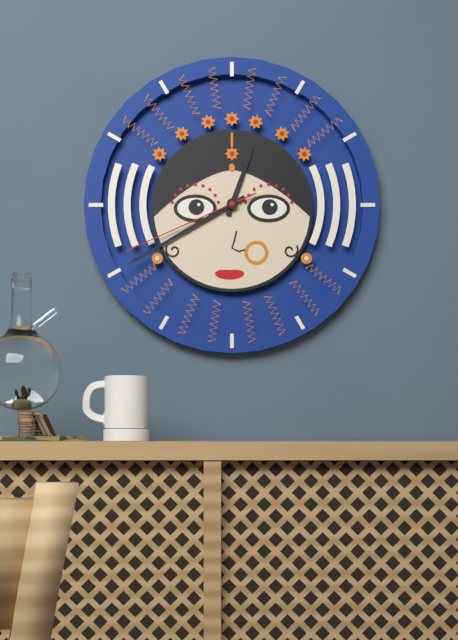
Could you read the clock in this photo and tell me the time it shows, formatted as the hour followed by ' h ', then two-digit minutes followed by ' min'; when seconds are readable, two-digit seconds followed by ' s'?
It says 12 h 40 min 41 s
